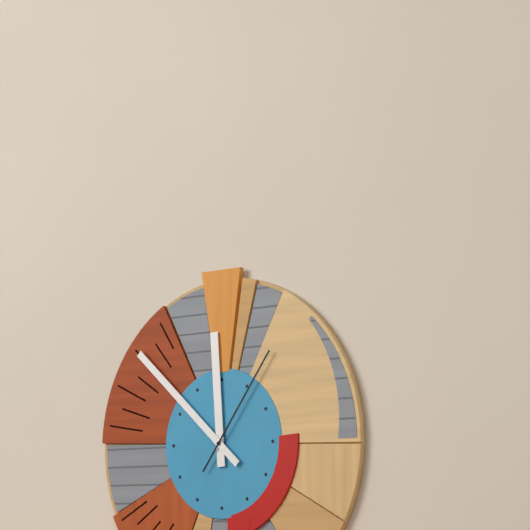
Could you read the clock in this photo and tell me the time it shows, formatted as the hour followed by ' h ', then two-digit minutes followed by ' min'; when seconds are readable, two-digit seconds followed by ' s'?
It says 11 h 52 min 06 s
